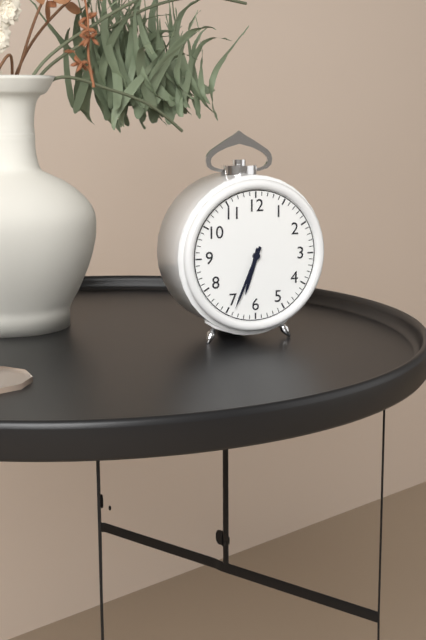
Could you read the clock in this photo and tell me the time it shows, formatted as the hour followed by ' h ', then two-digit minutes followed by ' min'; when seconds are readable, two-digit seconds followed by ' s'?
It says 6 h 34 min
